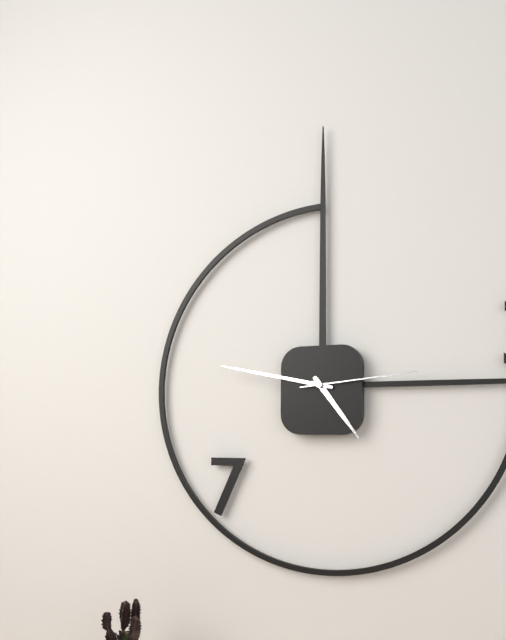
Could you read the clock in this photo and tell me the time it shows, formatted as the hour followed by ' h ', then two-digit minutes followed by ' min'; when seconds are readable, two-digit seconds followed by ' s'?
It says 4 h 47 min 14 s
